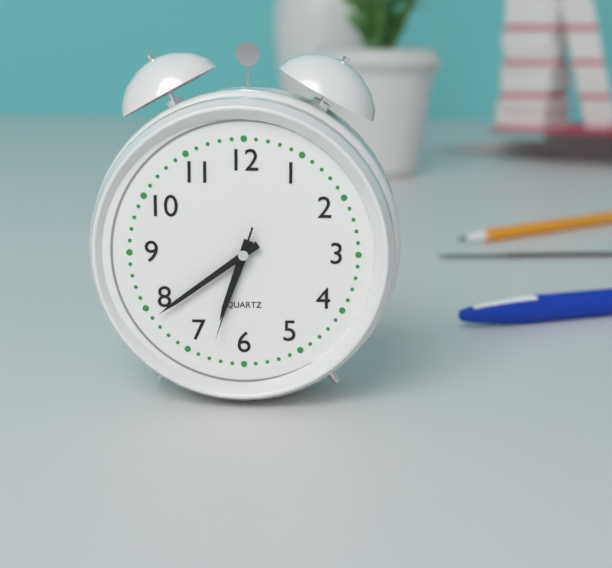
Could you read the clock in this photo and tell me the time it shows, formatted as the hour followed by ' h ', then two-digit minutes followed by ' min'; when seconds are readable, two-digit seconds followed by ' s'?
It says 6 h 39 min 33 s
